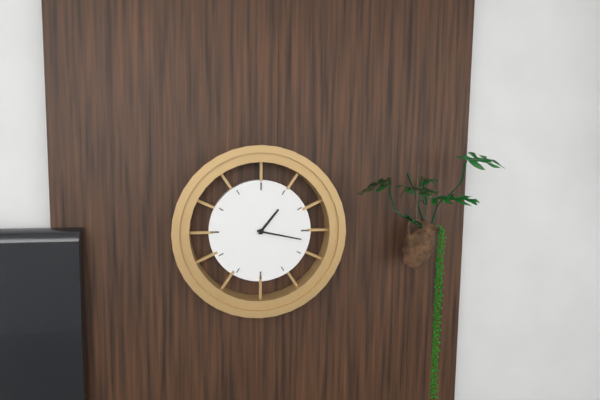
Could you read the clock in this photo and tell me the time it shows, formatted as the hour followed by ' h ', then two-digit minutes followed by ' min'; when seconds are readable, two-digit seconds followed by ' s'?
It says 1 h 17 min
